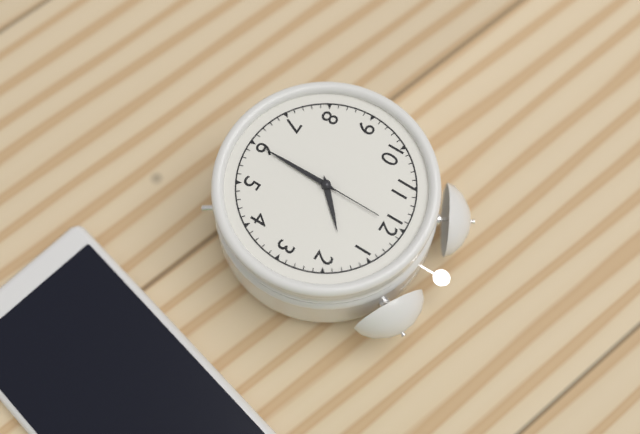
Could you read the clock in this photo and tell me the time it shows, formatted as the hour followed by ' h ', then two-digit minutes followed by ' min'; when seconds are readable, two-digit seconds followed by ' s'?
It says 1 h 30 min 00 s
